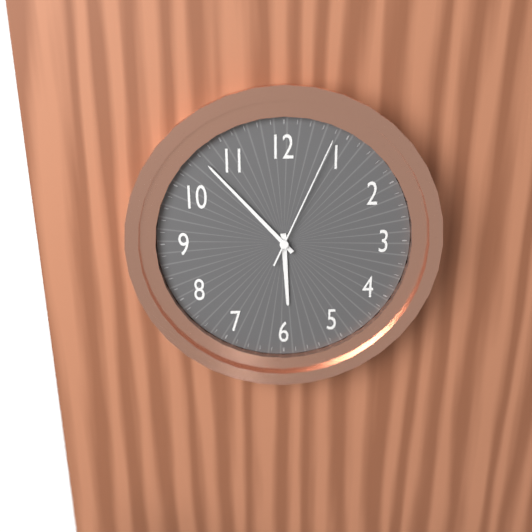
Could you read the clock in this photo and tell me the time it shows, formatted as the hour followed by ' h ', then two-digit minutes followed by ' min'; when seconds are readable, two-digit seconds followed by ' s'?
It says 5 h 53 min 04 s
